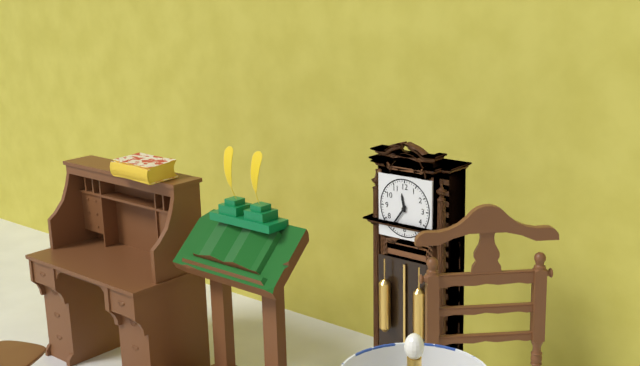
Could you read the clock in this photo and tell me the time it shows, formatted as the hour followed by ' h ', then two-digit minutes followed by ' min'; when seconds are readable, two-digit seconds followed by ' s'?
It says 11 h 36 min
